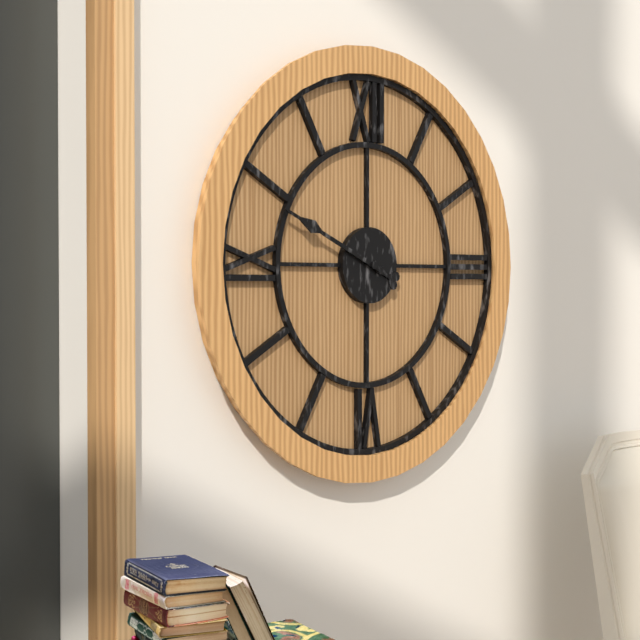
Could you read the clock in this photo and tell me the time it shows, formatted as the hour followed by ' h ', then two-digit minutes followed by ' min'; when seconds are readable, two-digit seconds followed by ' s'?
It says 3 h 49 min
